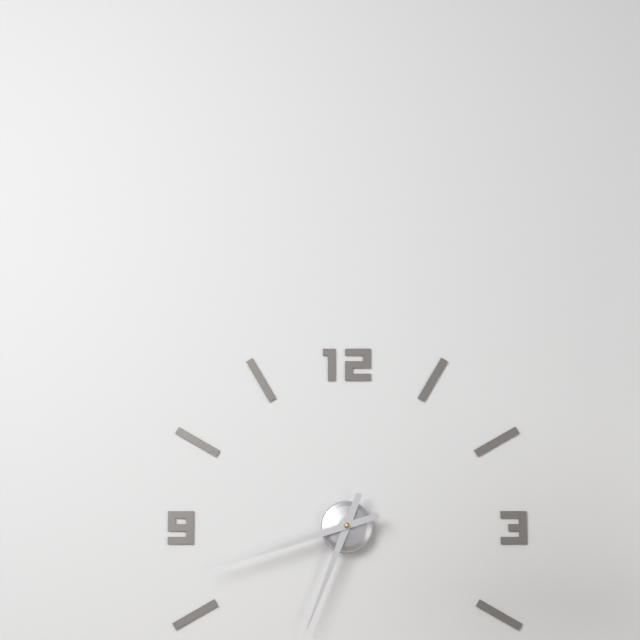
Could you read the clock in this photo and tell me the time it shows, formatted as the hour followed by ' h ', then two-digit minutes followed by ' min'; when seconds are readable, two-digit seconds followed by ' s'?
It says 6 h 42 min
